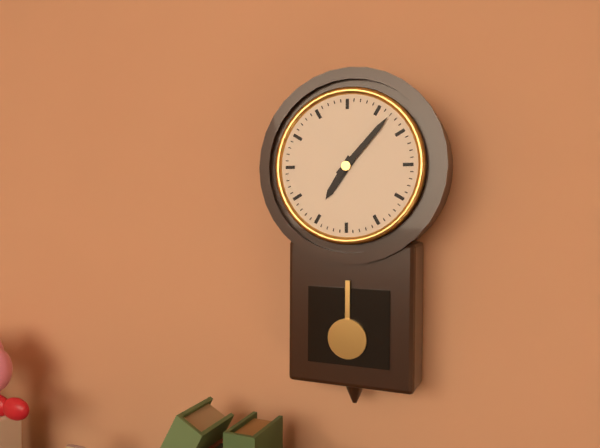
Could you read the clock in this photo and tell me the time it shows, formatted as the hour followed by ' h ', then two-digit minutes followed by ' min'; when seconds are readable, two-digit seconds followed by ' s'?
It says 7 h 07 min
